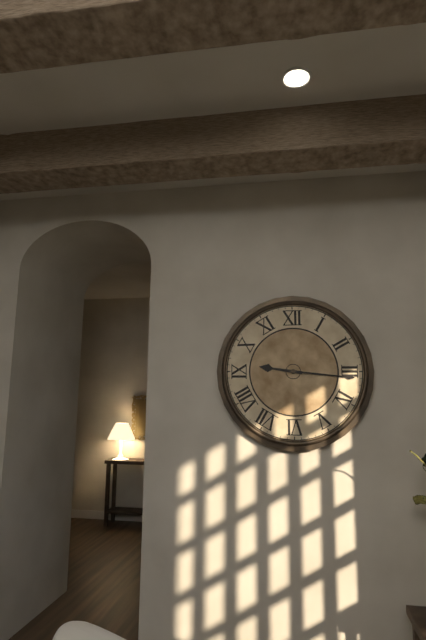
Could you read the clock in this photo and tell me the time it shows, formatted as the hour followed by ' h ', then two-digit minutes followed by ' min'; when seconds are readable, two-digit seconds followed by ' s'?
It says 9 h 16 min
